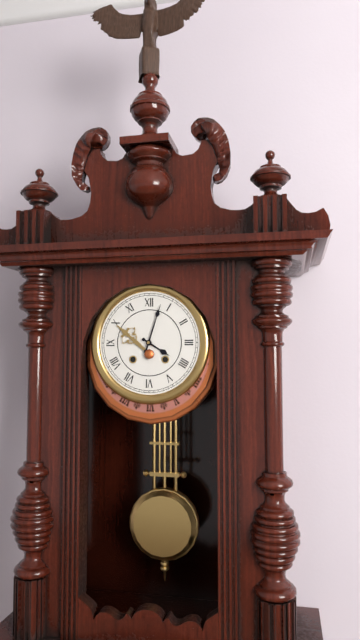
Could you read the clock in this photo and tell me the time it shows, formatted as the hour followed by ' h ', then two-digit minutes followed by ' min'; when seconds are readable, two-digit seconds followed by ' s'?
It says 4 h 03 min
